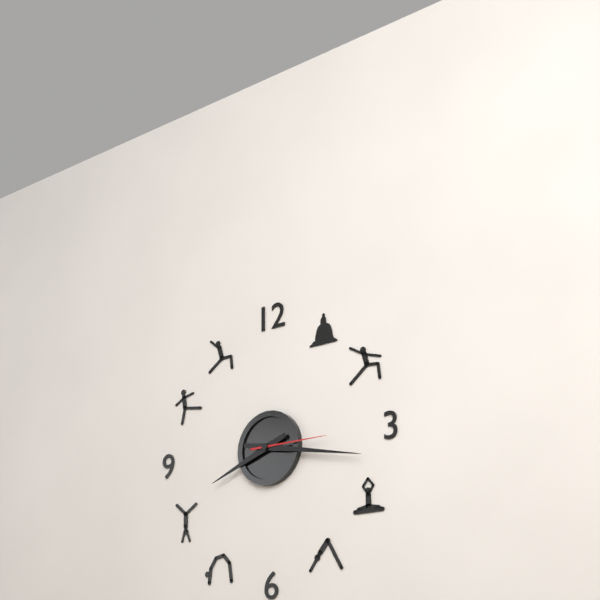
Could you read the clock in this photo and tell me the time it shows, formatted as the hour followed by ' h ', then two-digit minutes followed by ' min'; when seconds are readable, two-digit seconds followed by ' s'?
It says 8 h 17 min 15 s
